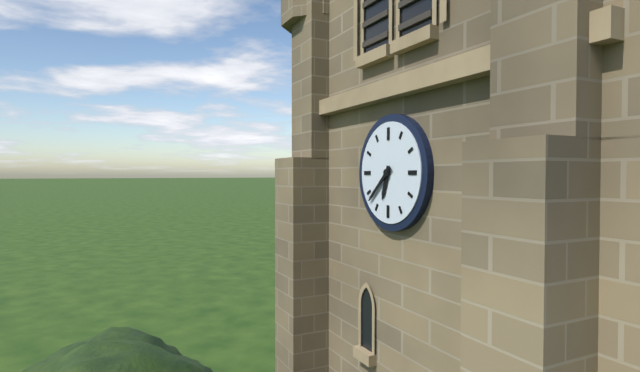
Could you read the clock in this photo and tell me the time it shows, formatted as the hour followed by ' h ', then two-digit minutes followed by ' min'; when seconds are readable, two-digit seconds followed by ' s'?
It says 6 h 38 min
